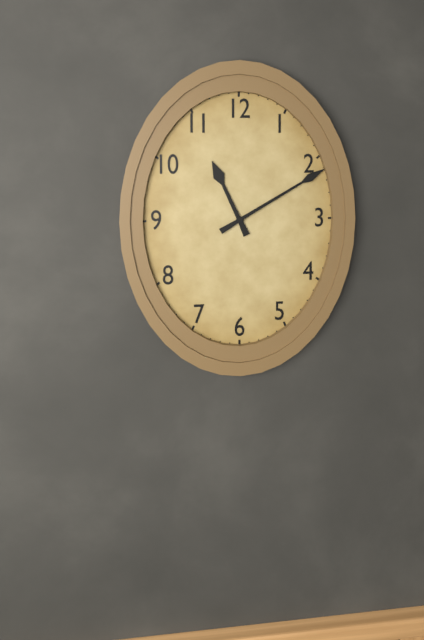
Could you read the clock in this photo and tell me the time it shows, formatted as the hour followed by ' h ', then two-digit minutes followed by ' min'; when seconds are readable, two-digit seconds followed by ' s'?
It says 11 h 10 min
